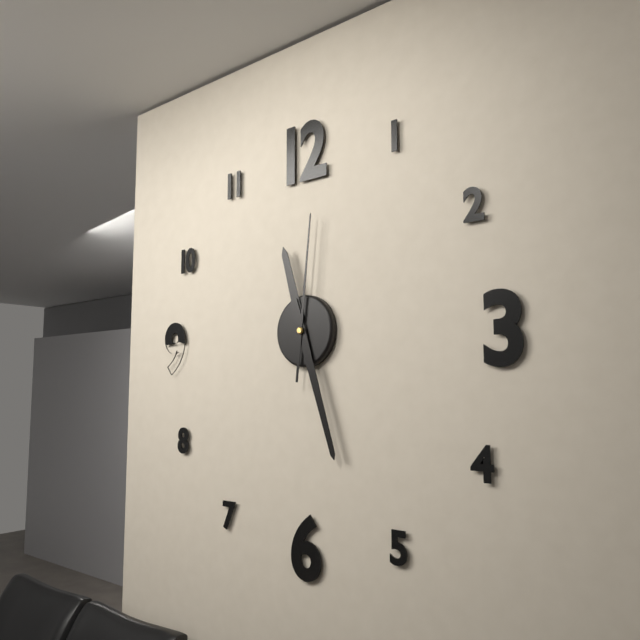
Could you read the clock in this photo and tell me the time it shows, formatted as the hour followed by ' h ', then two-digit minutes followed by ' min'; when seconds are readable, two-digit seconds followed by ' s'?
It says 11 h 27 min 01 s
